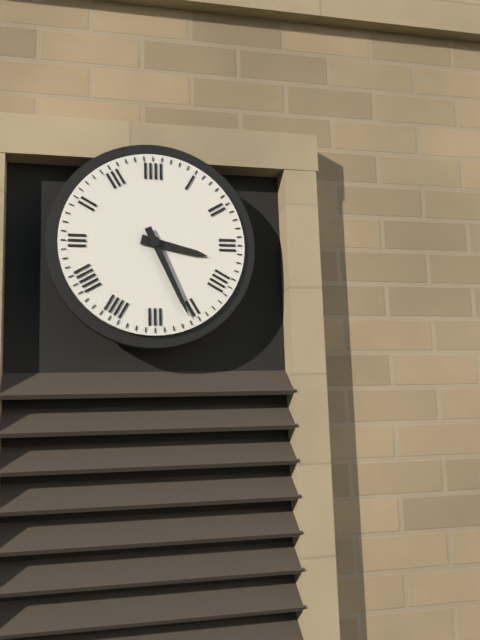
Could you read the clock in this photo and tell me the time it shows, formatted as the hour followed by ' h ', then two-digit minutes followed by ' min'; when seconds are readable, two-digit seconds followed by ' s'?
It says 3 h 26 min
